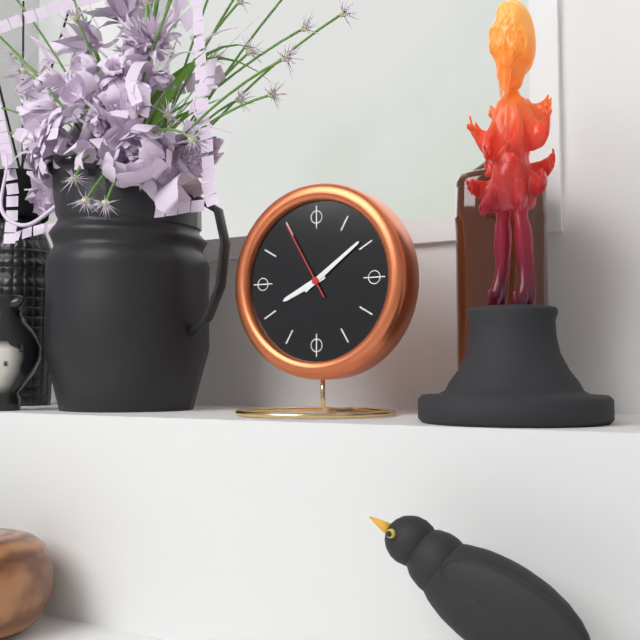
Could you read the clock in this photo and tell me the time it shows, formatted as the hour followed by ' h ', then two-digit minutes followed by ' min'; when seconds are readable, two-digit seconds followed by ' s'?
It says 8 h 09 min 55 s
